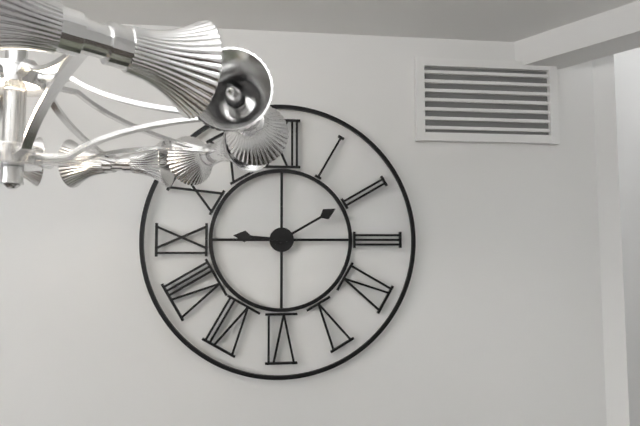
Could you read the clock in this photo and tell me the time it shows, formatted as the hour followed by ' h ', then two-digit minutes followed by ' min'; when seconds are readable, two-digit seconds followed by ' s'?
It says 9 h 10 min
